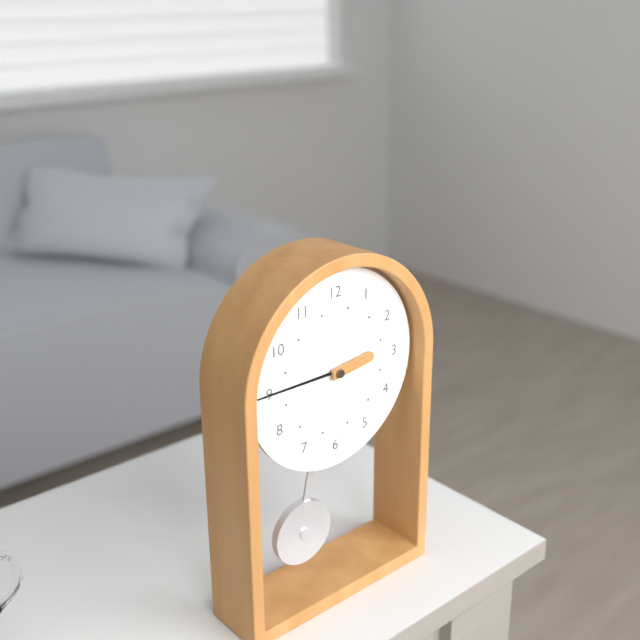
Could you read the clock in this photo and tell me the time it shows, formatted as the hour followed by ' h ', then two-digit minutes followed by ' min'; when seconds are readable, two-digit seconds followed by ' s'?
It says 2 h 45 min
